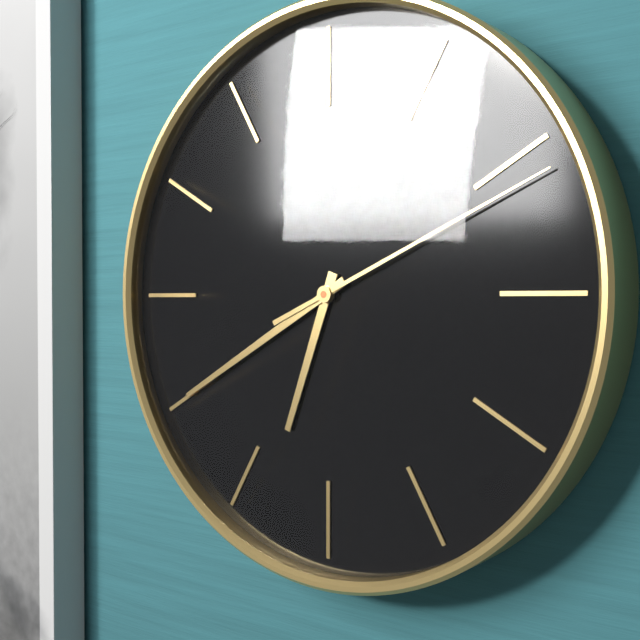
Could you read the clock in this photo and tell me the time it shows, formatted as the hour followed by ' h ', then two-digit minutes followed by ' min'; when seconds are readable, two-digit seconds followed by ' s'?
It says 6 h 40 min 11 s
